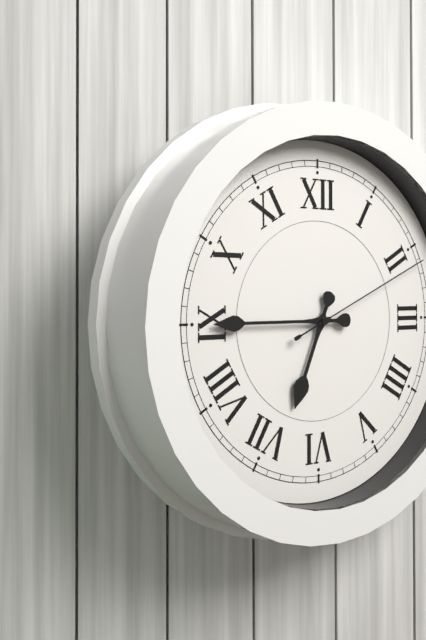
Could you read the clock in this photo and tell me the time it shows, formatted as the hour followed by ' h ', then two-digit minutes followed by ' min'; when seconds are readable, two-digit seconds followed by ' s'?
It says 6 h 45 min 11 s
